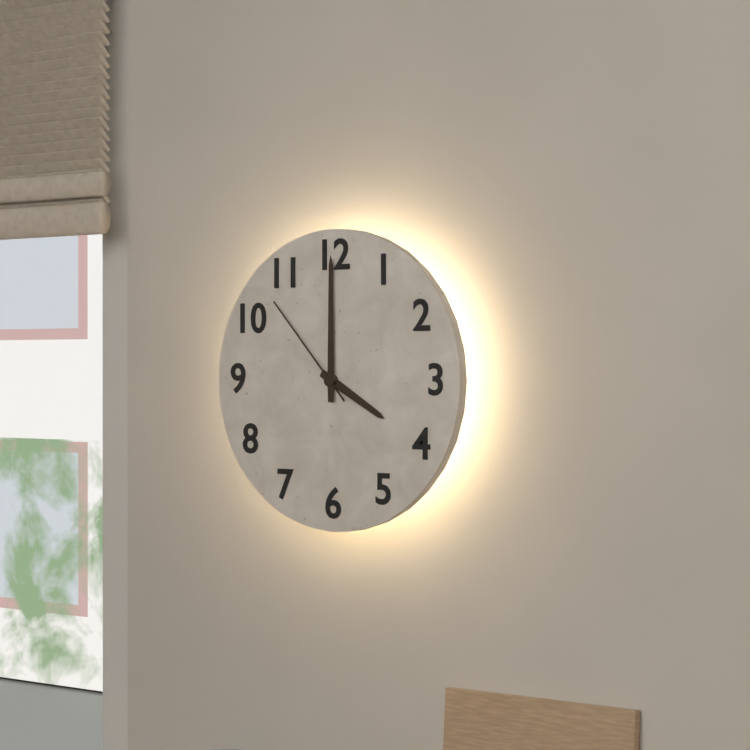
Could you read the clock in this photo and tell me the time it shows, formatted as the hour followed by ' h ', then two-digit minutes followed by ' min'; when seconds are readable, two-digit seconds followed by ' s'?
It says 4 h 00 min 53 s
